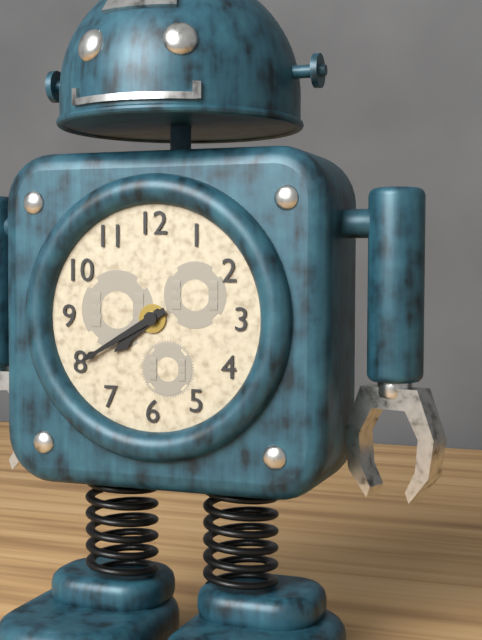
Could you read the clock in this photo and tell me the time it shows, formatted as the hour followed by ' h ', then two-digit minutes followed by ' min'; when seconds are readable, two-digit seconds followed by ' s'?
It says 7 h 40 min
